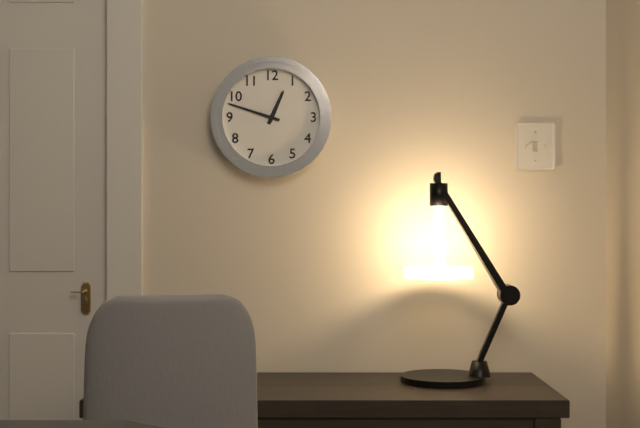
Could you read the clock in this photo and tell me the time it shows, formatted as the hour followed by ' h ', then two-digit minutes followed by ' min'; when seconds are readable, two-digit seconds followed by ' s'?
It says 12 h 48 min
